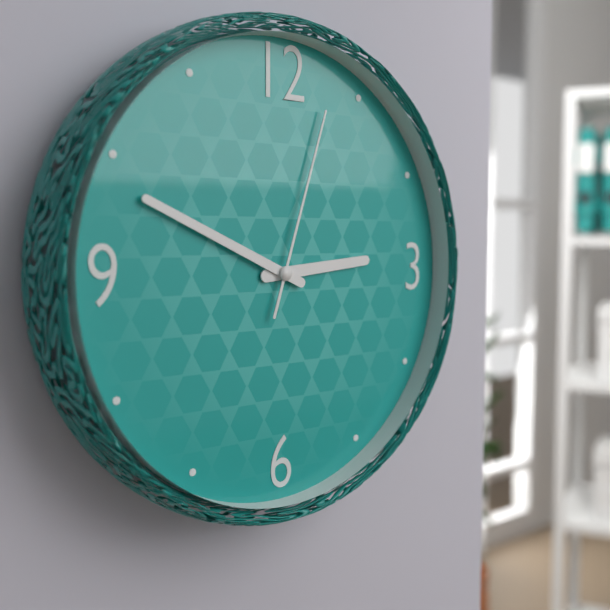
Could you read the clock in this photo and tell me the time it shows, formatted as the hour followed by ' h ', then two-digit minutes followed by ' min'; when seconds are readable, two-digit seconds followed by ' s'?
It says 2 h 49 min 03 s
